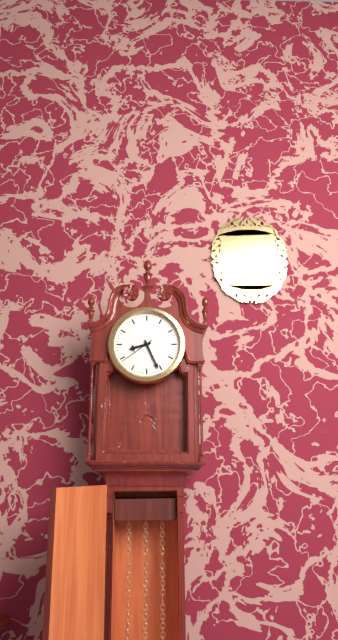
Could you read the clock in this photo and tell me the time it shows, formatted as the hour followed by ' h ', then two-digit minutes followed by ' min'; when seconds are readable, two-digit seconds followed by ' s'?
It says 8 h 26 min
